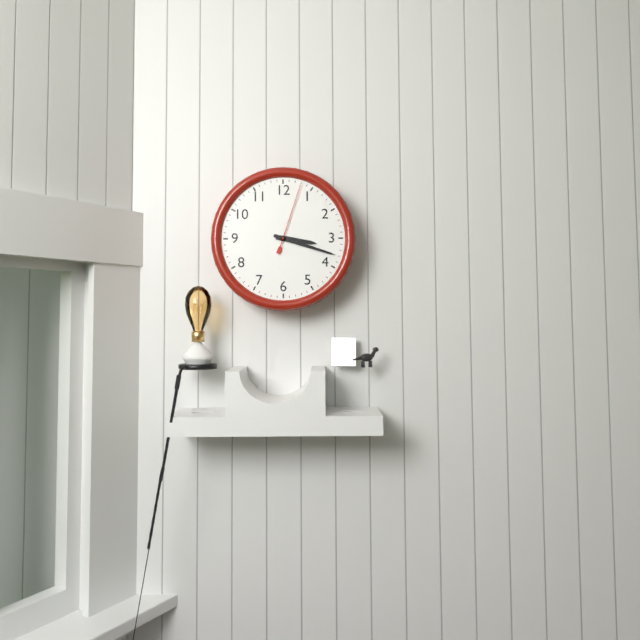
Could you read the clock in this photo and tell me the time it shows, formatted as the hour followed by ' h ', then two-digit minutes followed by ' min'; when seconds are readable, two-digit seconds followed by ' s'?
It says 3 h 18 min 03 s
